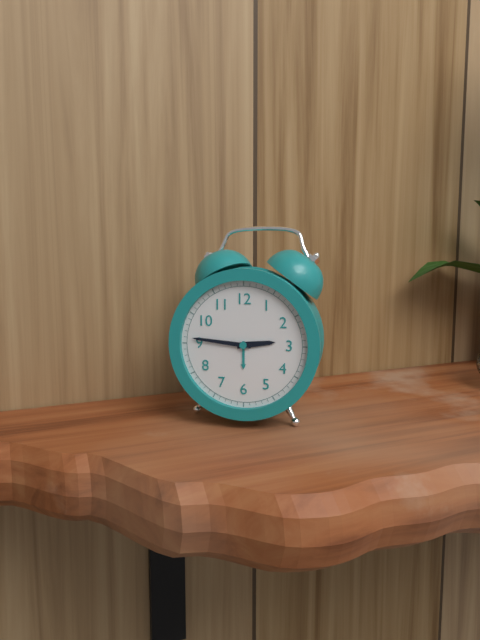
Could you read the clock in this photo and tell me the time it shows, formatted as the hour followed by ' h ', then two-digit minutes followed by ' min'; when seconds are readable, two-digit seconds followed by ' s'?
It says 2 h 46 min
